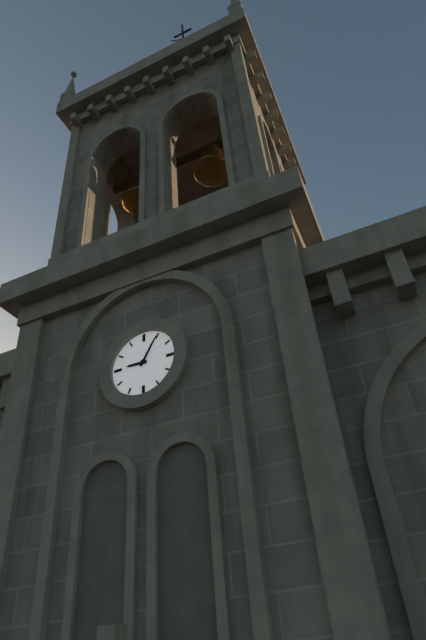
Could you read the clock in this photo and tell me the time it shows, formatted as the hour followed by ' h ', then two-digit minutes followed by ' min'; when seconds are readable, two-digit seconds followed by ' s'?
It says 9 h 05 min
